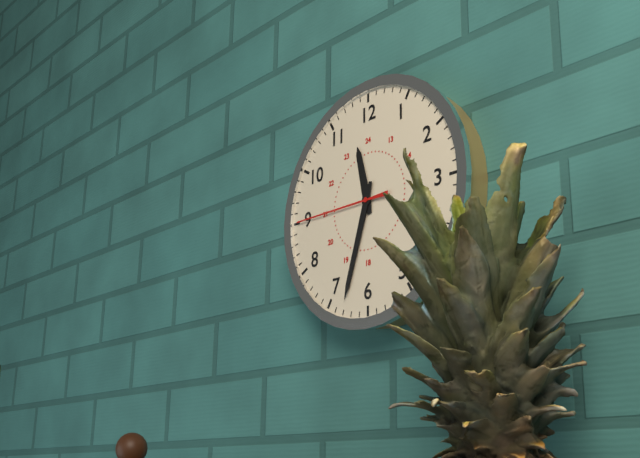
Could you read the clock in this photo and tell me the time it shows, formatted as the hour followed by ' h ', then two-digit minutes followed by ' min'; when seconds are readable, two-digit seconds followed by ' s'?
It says 11 h 33 min 45 s
